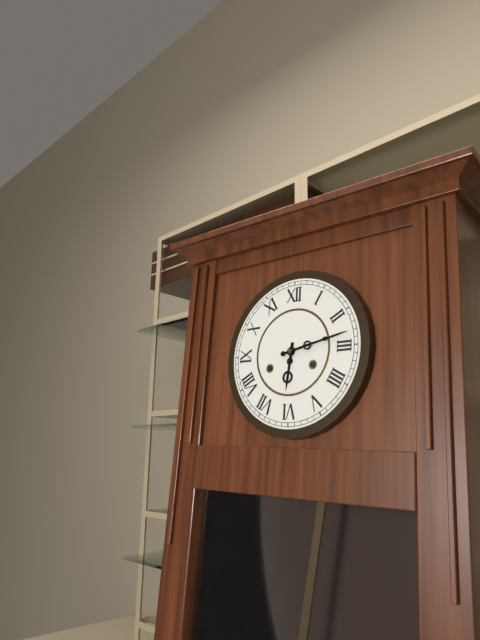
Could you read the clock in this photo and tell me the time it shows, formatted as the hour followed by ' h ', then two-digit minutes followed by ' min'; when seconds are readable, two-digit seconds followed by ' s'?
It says 6 h 13 min
